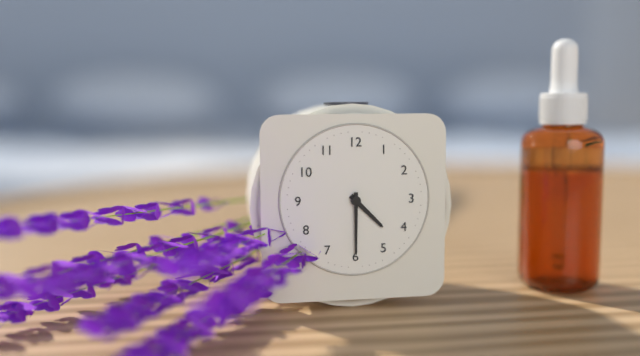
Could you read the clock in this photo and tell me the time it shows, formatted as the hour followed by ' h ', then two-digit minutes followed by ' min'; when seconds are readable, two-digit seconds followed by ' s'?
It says 4 h 30 min
